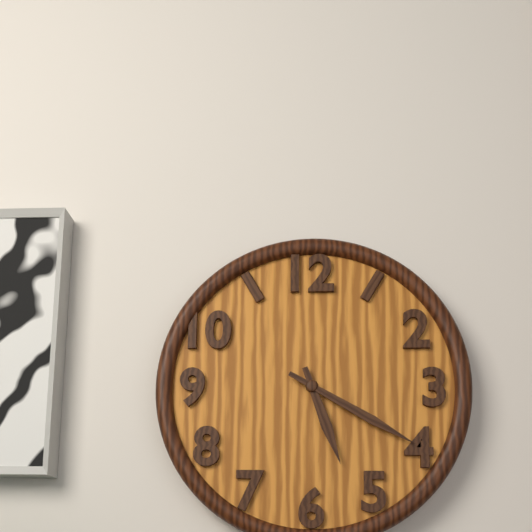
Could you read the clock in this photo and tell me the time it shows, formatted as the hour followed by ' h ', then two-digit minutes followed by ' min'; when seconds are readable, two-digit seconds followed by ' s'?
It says 5 h 20 min
